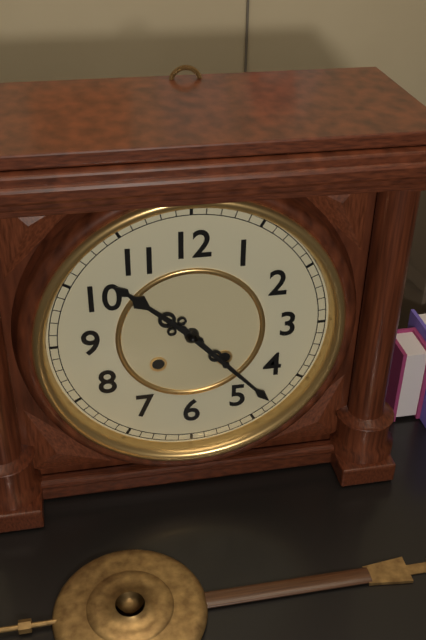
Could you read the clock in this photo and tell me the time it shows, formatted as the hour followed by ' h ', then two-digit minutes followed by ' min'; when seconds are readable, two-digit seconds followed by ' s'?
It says 10 h 23 min
